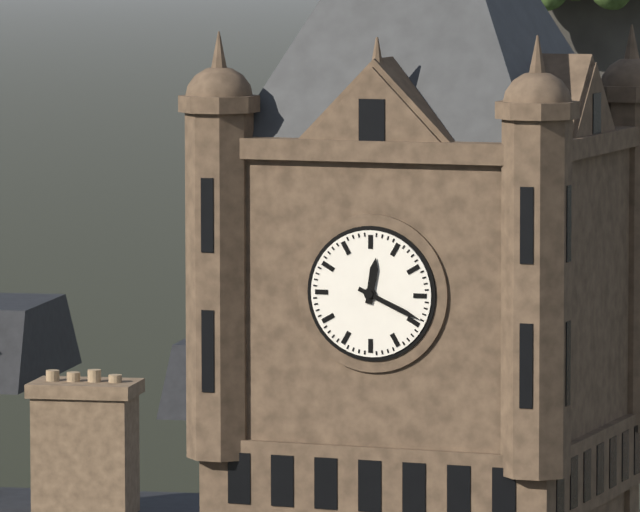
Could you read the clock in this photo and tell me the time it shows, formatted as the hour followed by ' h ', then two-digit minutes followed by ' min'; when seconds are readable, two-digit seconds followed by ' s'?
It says 12 h 19 min
